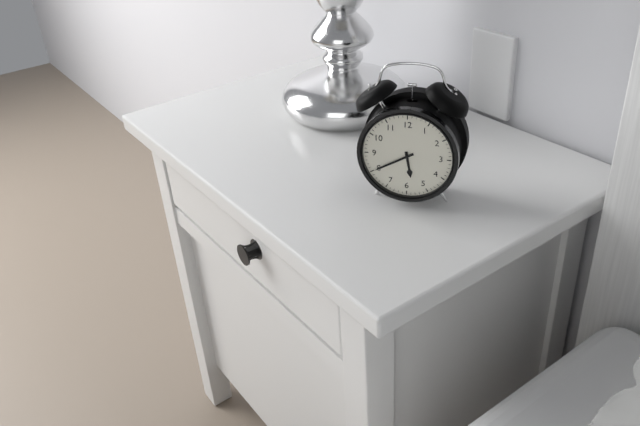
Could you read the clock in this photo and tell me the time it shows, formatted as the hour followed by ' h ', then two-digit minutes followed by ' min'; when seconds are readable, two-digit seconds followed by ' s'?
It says 5 h 40 min
